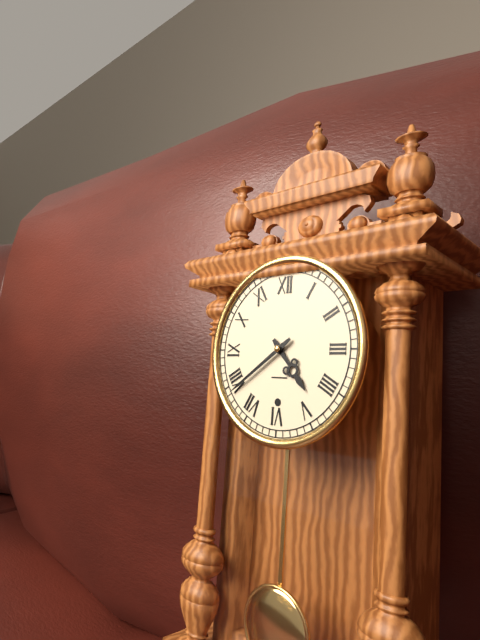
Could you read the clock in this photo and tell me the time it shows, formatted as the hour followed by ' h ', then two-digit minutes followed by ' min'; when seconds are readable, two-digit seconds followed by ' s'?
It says 4 h 39 min
